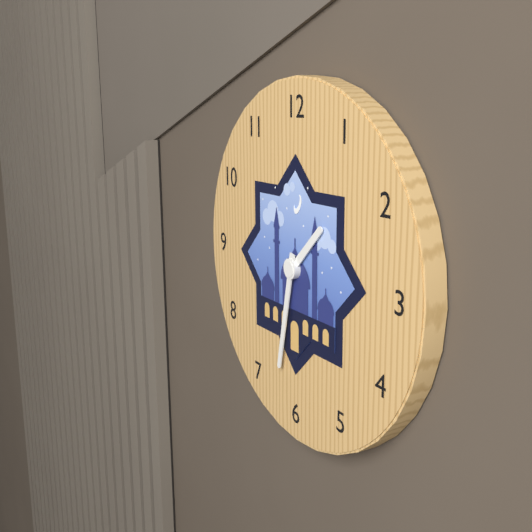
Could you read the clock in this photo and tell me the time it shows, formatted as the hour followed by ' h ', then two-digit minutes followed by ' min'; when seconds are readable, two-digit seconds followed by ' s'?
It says 1 h 32 min
